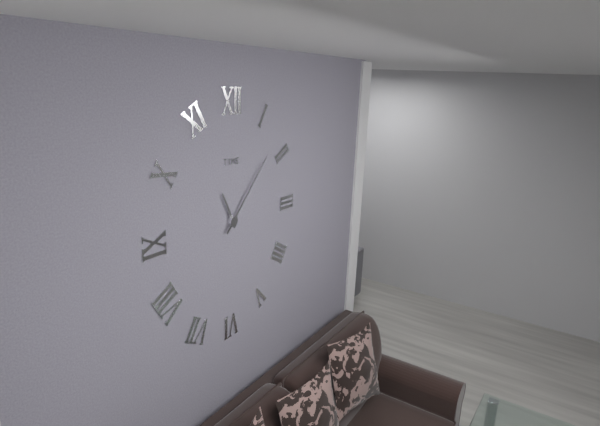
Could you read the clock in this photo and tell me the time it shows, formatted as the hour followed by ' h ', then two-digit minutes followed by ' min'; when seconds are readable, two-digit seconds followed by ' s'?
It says 11 h 07 min
